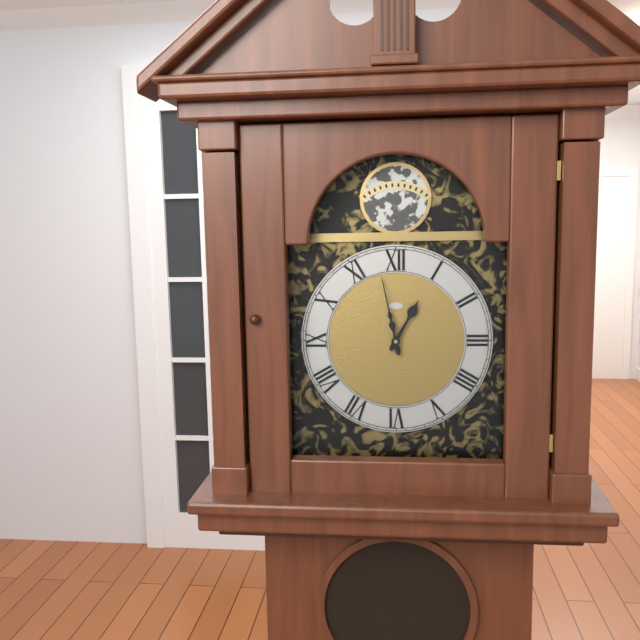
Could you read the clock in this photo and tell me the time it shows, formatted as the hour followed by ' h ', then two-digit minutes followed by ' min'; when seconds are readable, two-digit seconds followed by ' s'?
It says 12 h 58 min
